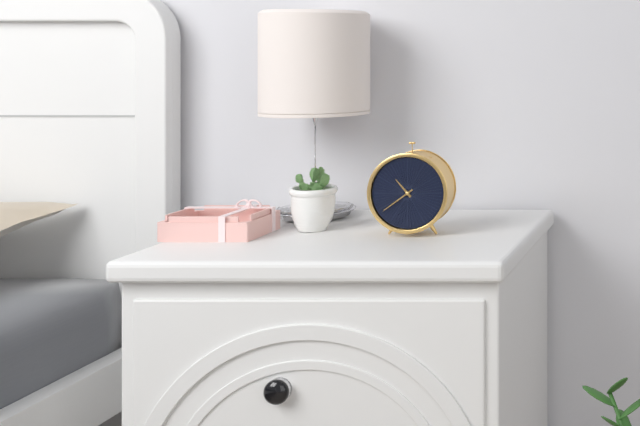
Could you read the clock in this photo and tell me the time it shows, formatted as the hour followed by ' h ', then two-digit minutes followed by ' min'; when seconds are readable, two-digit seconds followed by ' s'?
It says 10 h 39 min
